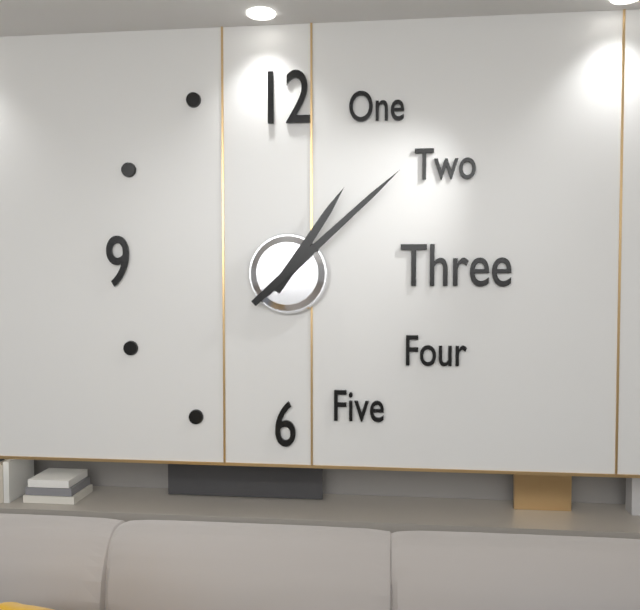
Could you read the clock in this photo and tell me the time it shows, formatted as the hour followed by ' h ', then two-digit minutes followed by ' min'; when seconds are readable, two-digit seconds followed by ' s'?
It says 1 h 08 min
